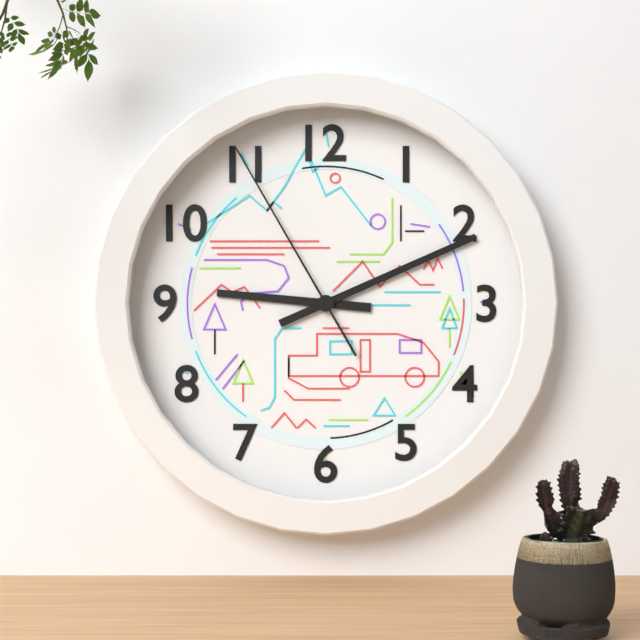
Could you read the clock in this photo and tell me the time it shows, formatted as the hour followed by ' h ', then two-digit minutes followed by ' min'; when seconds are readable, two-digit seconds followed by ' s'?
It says 9 h 11 min 55 s
